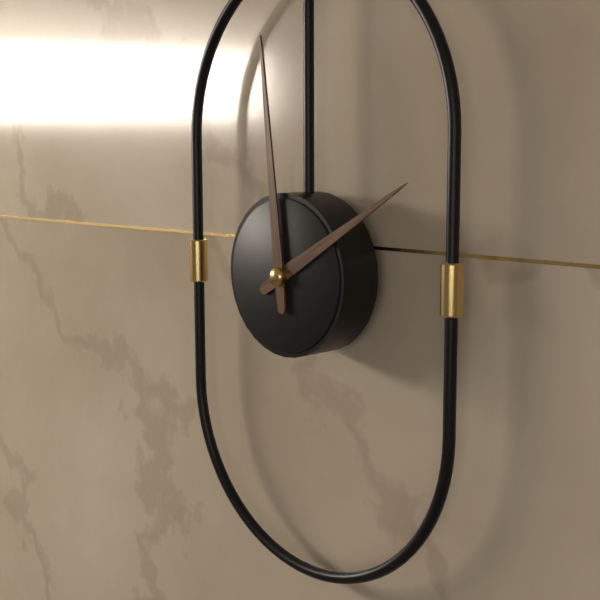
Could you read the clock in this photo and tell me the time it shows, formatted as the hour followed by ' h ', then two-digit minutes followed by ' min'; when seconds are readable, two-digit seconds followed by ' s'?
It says 1 h 59 min
